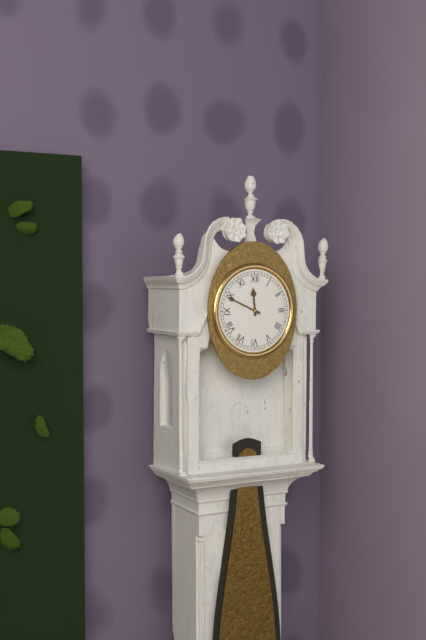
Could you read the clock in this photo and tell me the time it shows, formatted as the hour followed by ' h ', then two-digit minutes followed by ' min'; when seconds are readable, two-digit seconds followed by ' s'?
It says 11 h 49 min
